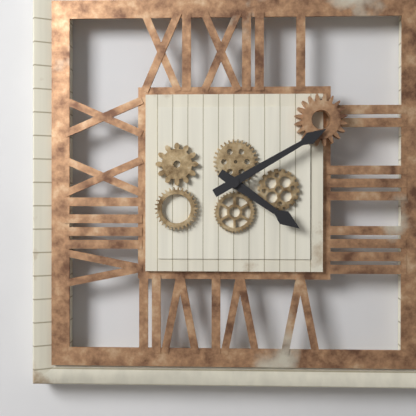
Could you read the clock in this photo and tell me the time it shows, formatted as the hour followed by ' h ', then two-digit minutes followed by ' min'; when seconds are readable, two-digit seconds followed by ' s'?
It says 4 h 10 min
